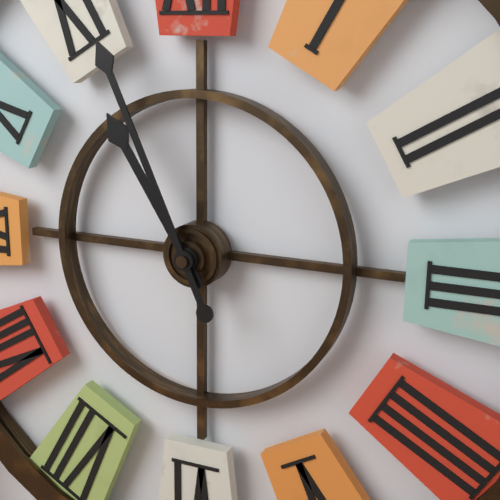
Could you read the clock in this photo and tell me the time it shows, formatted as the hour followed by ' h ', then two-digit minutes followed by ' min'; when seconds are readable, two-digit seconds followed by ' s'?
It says 10 h 56 min
